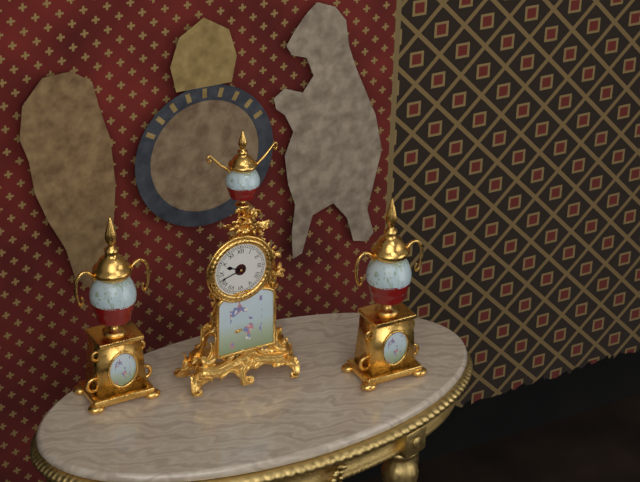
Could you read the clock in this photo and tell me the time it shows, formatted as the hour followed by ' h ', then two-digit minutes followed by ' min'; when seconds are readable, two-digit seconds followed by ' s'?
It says 9 h 42 min
